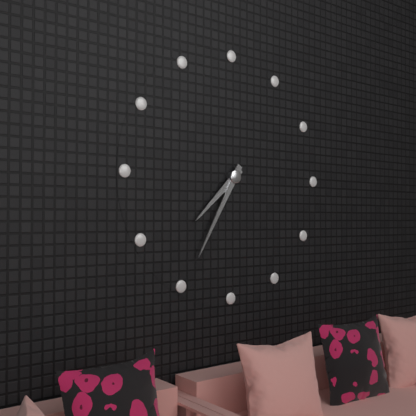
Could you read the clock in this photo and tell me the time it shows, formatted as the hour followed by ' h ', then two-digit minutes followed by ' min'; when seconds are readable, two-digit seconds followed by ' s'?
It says 7 h 35 min
